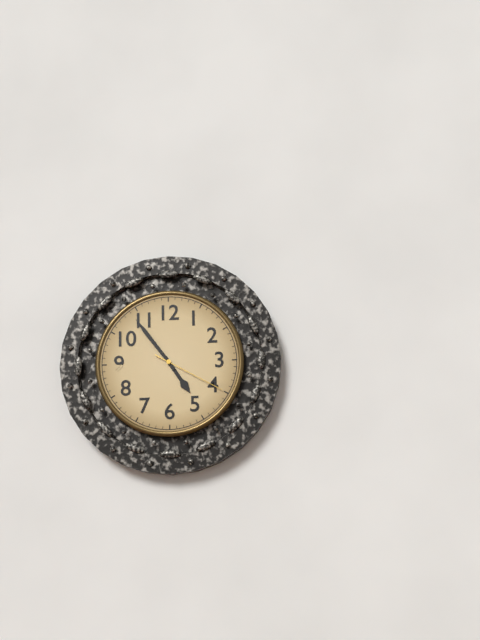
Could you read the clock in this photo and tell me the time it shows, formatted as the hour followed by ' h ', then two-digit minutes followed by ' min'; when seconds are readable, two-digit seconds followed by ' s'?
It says 4 h 54 min 20 s
